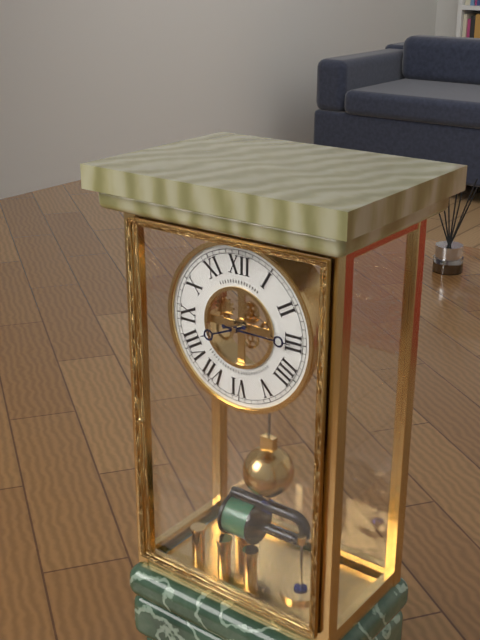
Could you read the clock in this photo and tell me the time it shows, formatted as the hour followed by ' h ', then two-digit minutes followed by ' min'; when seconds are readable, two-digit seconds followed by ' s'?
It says 8 h 15 min
